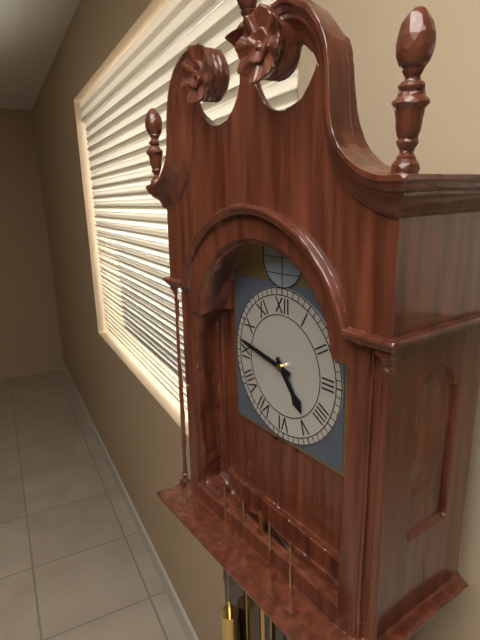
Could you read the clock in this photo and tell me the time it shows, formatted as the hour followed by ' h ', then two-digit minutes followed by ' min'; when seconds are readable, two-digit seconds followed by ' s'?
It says 4 h 47 min
